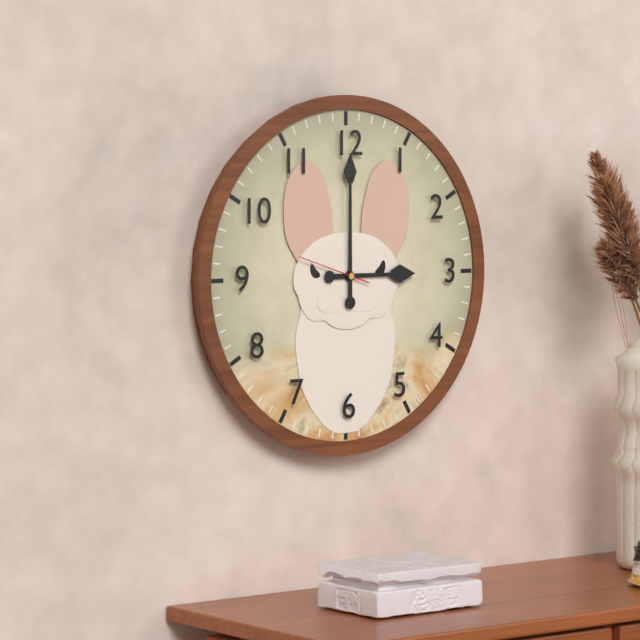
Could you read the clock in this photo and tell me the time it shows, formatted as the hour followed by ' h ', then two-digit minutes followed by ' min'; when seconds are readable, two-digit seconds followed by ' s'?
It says 3 h 00 min 48 s
